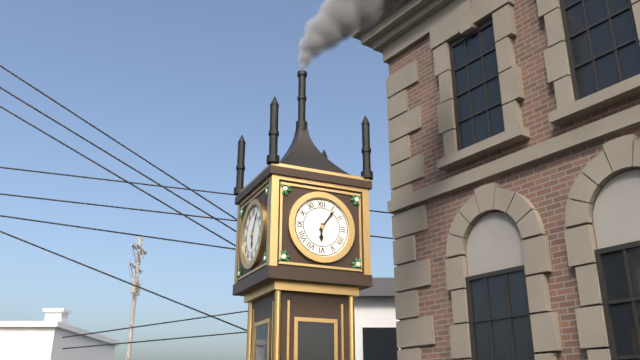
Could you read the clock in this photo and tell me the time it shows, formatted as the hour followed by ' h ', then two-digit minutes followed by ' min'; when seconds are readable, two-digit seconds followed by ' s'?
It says 6 h 06 min
